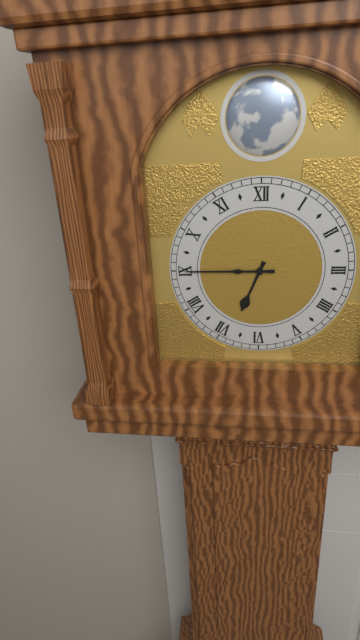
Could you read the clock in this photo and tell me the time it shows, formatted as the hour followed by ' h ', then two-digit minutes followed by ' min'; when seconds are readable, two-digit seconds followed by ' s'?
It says 6 h 45 min
